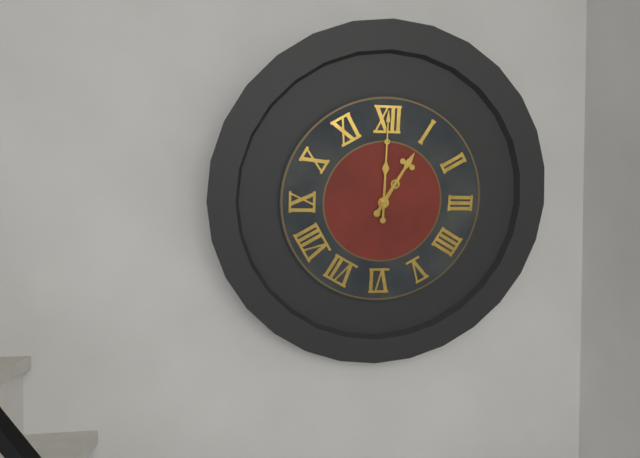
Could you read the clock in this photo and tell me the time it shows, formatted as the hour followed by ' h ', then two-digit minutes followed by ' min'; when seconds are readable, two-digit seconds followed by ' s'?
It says 1 h 00 min
